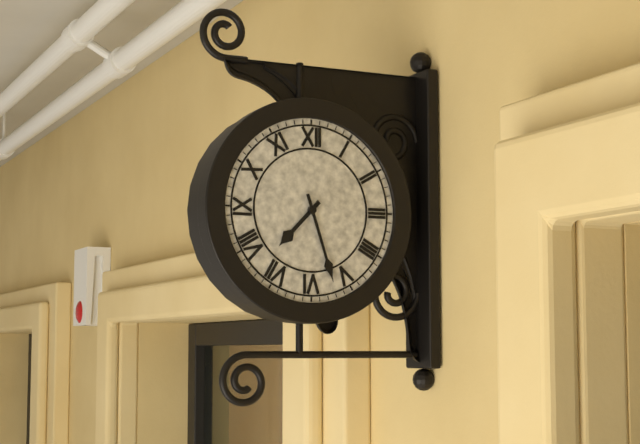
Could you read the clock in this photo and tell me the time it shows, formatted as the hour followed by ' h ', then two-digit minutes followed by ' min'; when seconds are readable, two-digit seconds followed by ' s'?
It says 7 h 27 min
